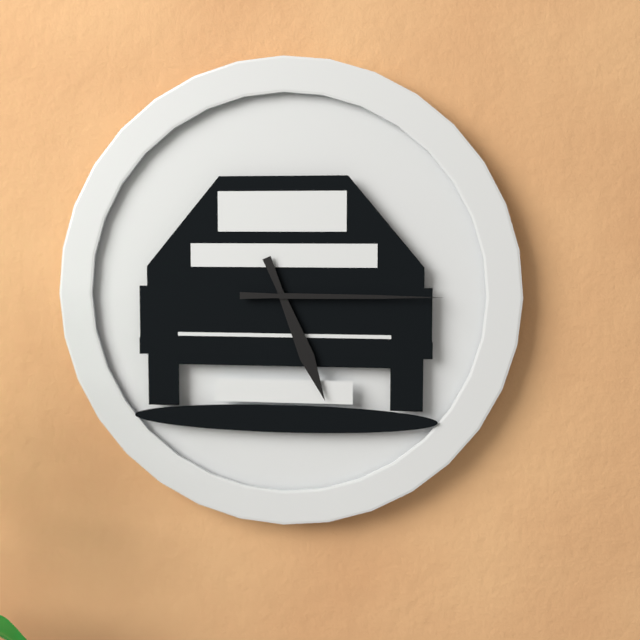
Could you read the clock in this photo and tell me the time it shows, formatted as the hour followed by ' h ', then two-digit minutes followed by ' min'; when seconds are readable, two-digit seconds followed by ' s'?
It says 5 h 15 min
